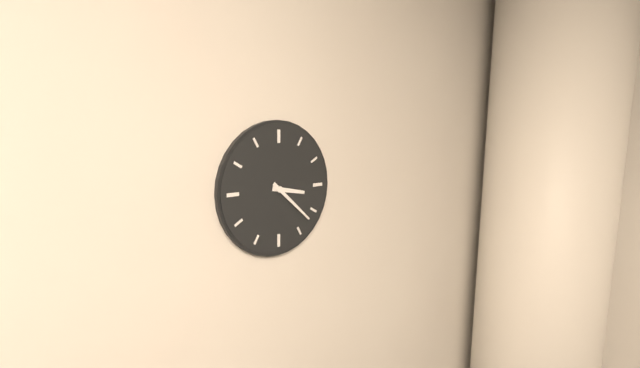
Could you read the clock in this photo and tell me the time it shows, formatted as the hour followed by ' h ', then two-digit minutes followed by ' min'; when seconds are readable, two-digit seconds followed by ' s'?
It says 3 h 22 min
